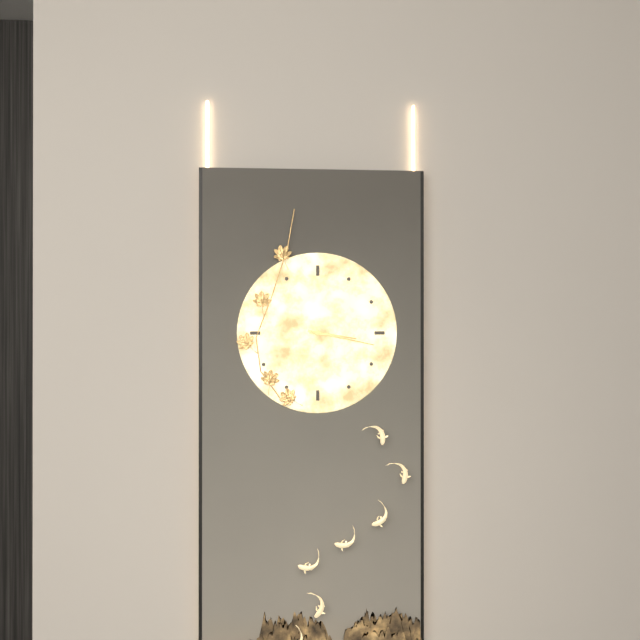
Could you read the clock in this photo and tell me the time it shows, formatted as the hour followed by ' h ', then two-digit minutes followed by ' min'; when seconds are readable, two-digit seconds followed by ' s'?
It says 3 h 17 min
